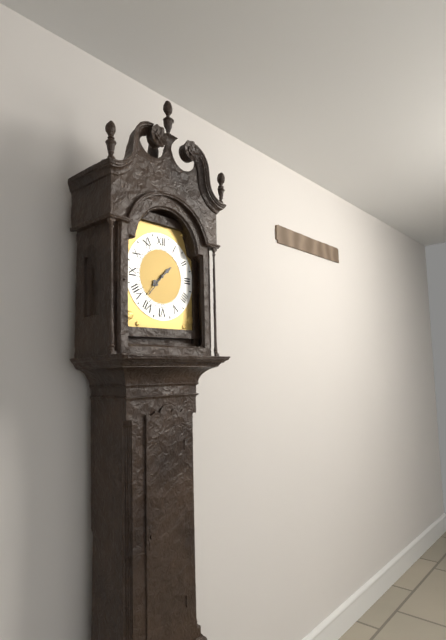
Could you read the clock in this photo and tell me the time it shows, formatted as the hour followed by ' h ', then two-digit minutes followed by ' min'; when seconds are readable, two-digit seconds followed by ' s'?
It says 1 h 37 min
